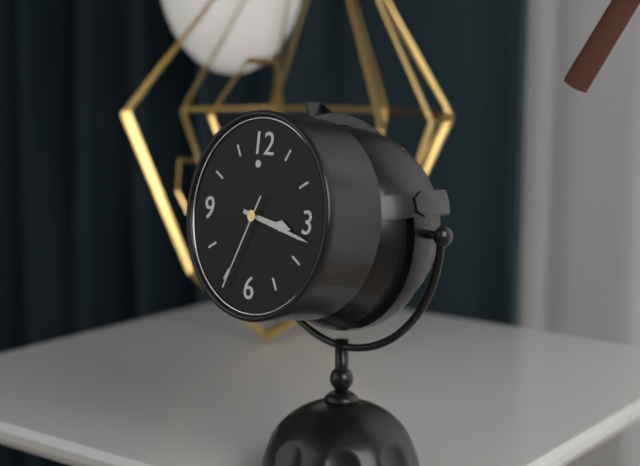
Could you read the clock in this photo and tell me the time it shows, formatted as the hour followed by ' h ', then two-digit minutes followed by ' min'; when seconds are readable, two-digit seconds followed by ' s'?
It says 3 h 17 min 34 s
